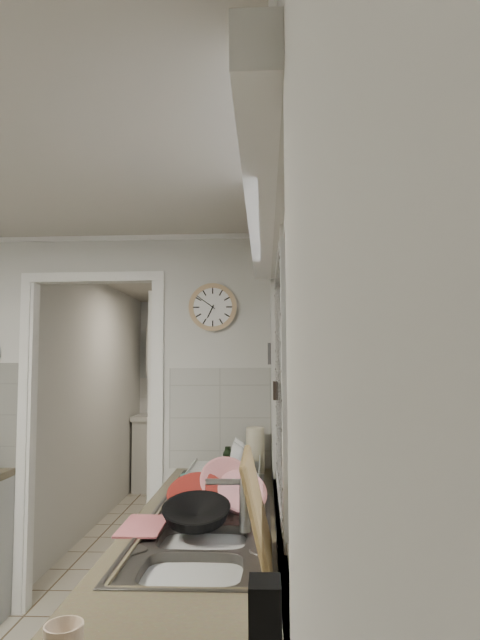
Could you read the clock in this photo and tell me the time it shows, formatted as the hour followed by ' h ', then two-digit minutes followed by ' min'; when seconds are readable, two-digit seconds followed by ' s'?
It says 6 h 51 min
